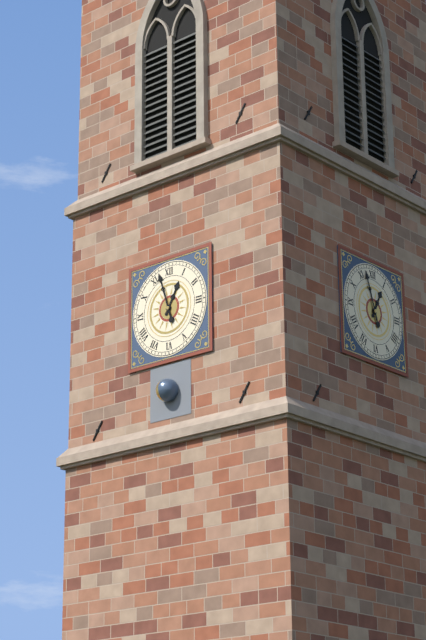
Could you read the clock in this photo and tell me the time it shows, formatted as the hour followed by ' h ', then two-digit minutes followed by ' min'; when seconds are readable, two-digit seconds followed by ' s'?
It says 12 h 57 min
